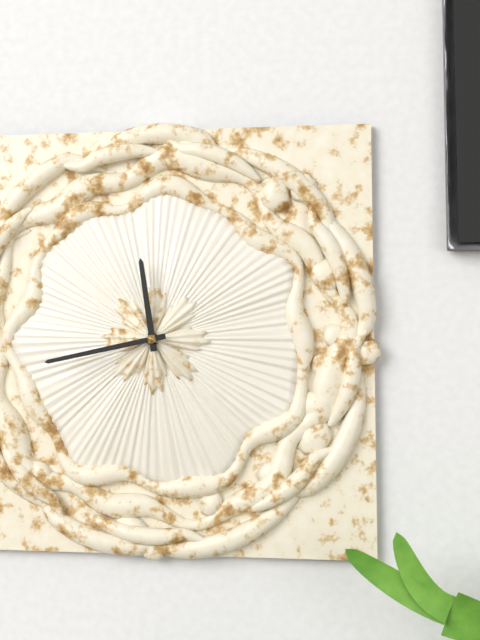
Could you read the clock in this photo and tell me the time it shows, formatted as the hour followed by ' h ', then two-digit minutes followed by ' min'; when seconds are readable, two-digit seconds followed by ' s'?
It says 11 h 43 min
